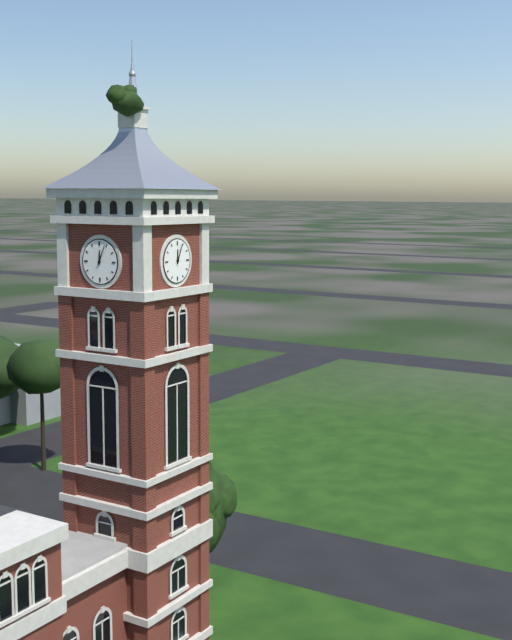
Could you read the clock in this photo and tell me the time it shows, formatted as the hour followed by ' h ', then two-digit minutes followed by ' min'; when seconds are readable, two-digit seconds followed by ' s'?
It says 12 h 04 min
